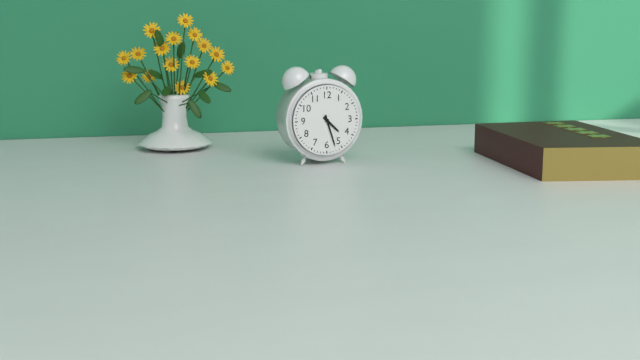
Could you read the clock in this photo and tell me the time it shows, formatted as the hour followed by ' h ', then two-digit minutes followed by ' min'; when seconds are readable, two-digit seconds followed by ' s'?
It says 4 h 27 min
